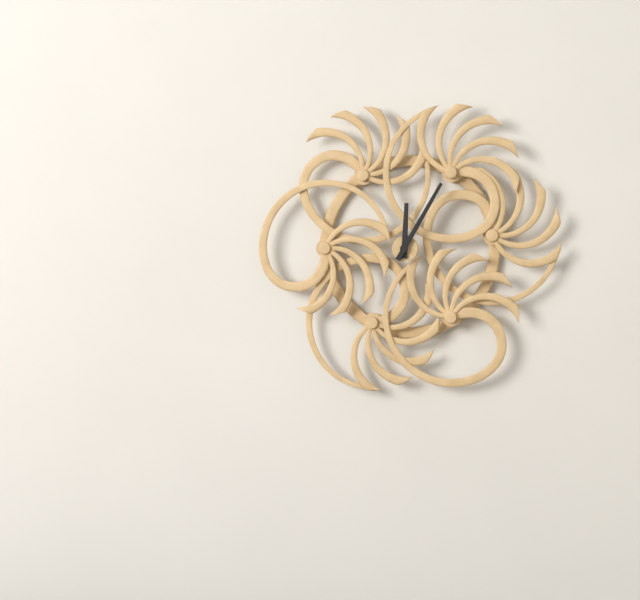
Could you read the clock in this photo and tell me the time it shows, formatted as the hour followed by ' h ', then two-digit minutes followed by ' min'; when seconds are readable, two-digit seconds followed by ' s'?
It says 12 h 05 min
